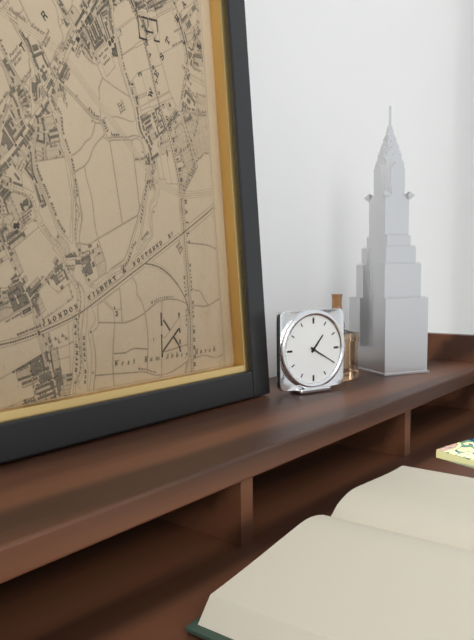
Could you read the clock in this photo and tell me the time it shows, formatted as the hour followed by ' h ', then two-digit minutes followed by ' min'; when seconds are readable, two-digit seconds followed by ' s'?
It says 1 h 20 min
